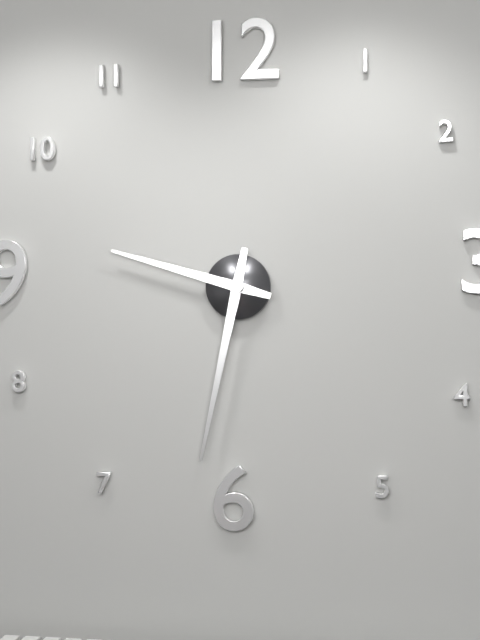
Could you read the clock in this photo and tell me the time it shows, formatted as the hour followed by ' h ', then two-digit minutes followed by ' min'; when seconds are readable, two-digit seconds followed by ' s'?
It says 9 h 32 min
